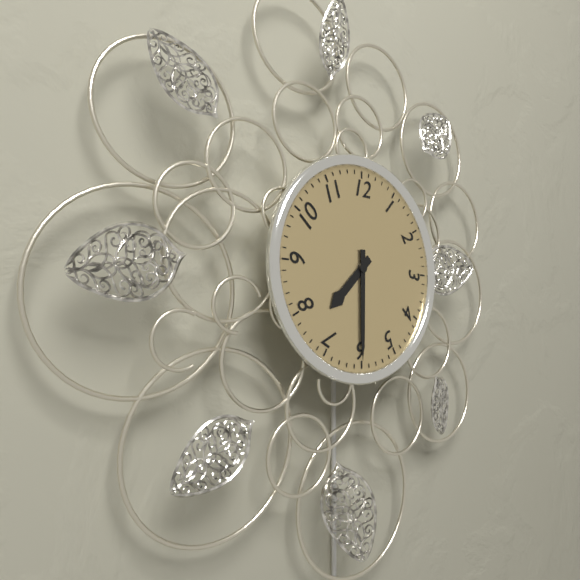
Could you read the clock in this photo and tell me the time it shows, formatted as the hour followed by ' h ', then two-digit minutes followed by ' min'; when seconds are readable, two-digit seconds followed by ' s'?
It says 7 h 30 min
